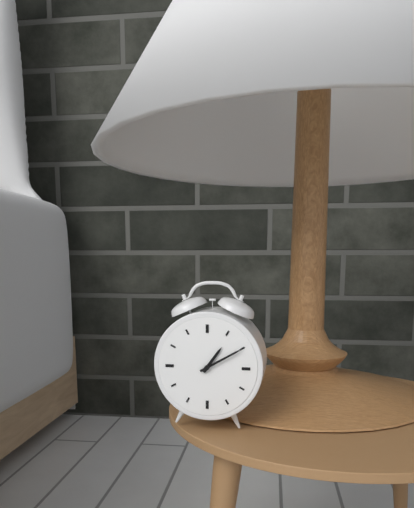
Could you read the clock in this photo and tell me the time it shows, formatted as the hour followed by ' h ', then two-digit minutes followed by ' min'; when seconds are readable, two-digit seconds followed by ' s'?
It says 1 h 10 min
